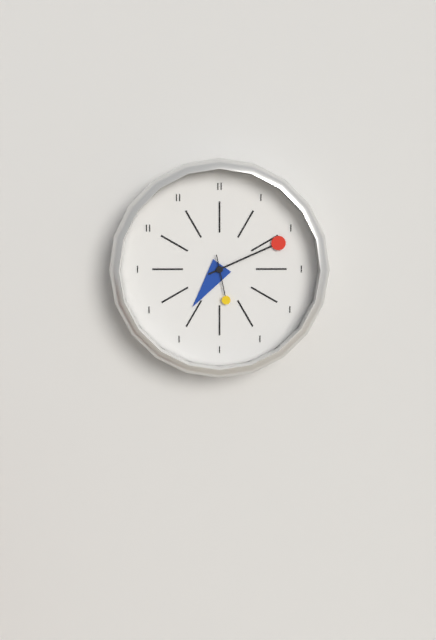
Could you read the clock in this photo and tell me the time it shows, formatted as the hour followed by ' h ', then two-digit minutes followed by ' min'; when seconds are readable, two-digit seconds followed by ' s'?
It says 7 h 11 min
